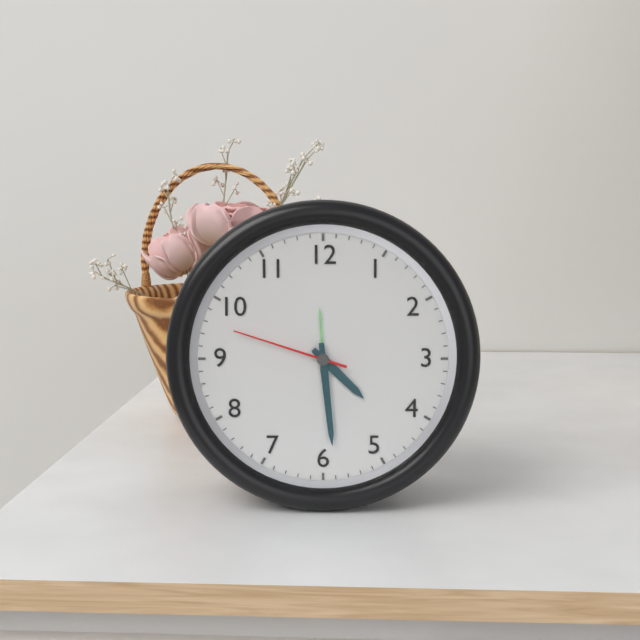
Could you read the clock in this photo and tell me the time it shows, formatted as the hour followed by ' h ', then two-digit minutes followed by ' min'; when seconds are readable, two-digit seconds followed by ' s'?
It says 4 h 29 min 48 s
